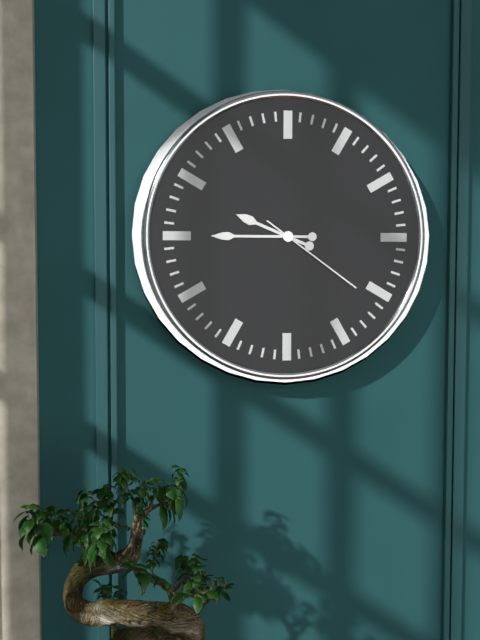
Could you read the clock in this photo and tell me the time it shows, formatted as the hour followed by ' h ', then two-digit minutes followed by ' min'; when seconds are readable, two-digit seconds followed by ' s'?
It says 9 h 45 min 21 s
